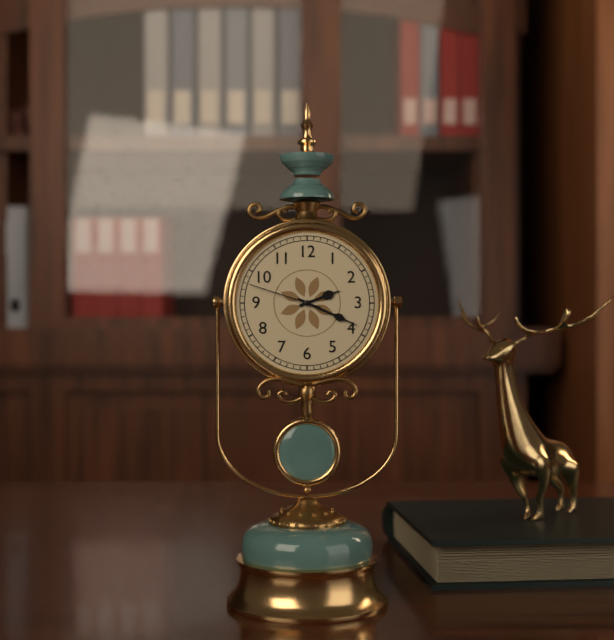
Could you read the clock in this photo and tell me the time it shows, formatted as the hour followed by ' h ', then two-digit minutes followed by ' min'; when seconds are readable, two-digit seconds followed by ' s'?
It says 2 h 19 min 48 s
